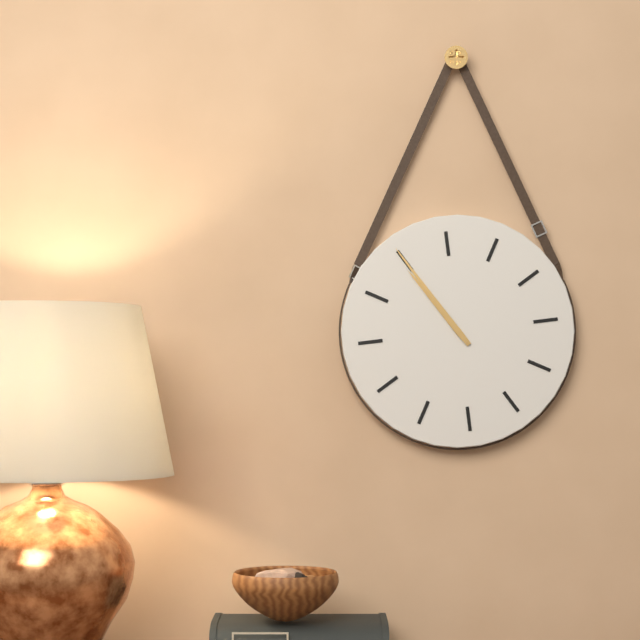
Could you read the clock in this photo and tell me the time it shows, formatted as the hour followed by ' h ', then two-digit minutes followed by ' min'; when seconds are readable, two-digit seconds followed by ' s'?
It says 10 h 55 min
